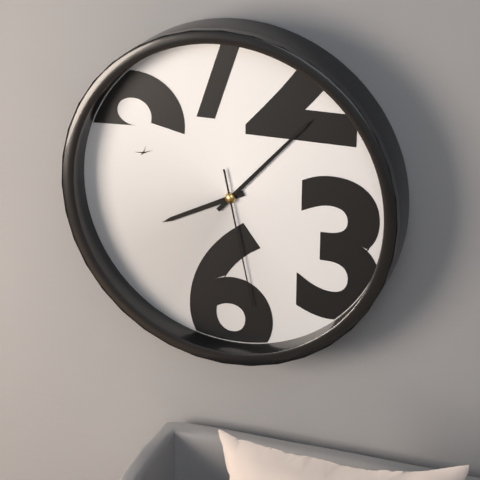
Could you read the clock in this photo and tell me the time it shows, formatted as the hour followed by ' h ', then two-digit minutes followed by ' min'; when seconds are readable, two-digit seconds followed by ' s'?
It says 8 h 07 min 28 s
